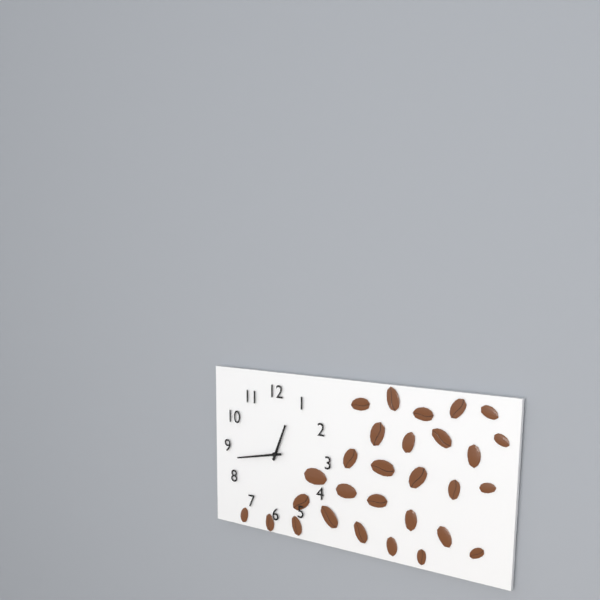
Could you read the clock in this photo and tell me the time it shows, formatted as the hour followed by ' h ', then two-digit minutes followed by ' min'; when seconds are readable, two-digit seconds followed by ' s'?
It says 12 h 43 min
